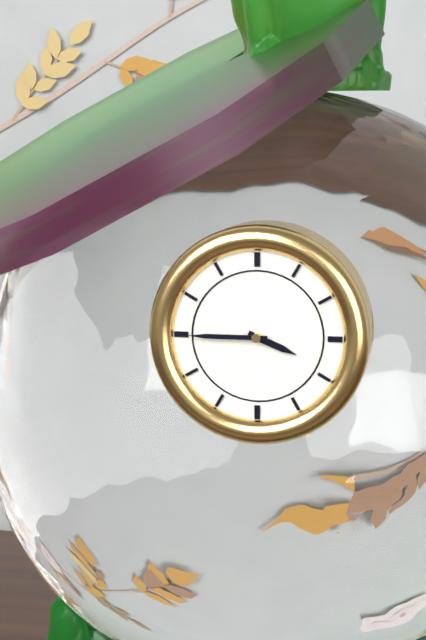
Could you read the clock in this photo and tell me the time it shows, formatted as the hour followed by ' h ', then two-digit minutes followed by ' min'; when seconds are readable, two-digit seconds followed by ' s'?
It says 3 h 45 min
